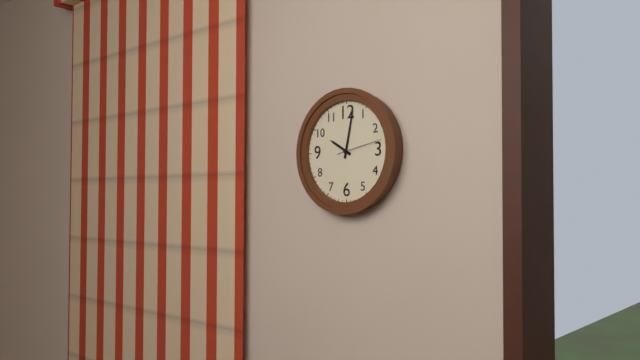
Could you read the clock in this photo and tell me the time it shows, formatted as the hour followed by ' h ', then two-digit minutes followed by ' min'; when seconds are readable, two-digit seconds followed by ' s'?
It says 10 h 02 min
